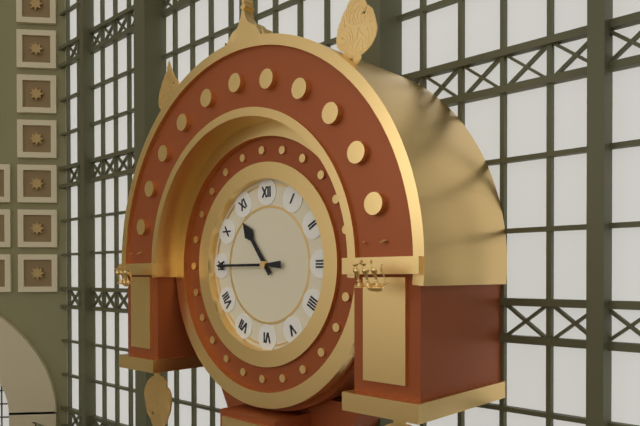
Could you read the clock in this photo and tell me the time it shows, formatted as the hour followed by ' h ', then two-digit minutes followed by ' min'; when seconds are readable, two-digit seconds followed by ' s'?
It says 10 h 45 min
